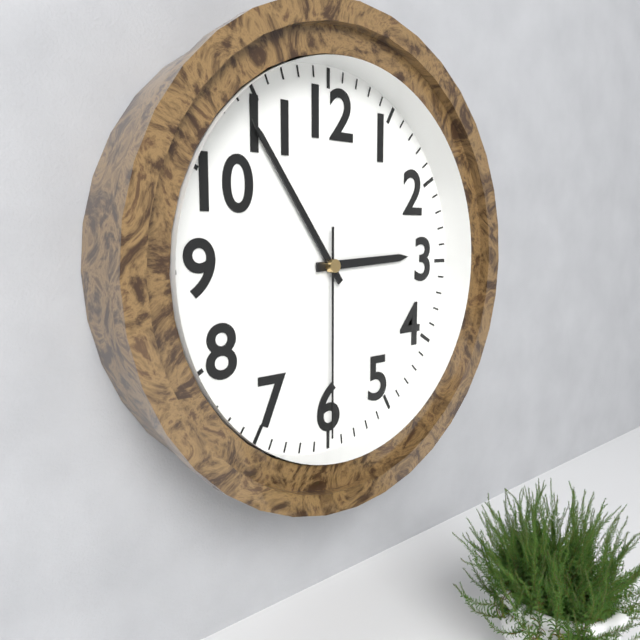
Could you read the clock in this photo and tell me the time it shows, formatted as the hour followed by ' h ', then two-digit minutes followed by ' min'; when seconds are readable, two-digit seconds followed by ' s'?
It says 2 h 54 min 30 s
